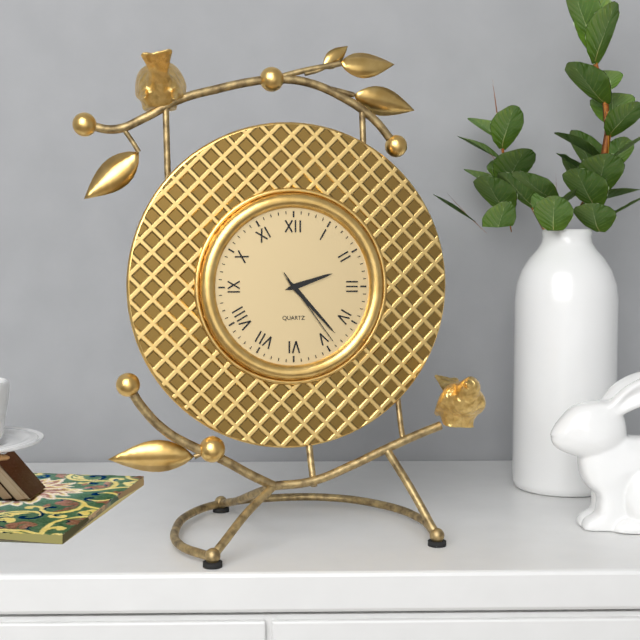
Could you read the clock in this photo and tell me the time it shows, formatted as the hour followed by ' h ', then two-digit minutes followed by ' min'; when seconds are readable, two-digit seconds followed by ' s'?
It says 2 h 23 min 24 s
